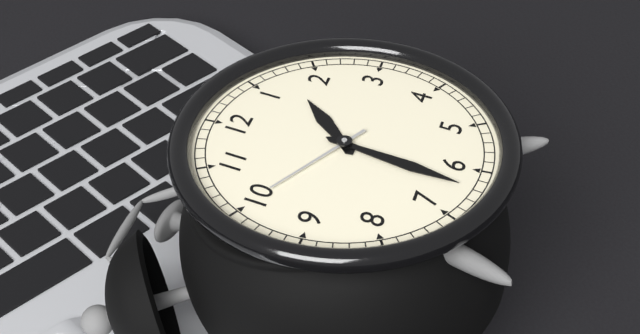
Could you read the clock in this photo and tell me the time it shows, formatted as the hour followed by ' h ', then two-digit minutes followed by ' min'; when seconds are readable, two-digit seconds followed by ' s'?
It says 1 h 32 min 50 s
